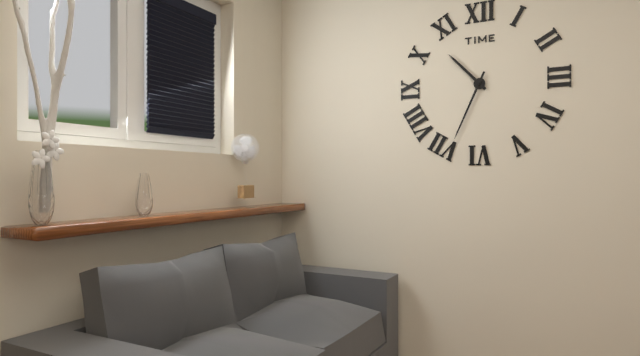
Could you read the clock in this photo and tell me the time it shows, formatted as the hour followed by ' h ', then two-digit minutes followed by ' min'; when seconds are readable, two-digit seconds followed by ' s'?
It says 10 h 34 min
